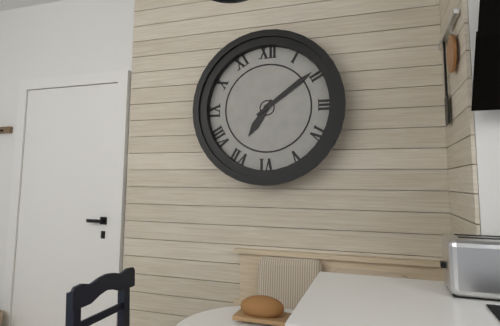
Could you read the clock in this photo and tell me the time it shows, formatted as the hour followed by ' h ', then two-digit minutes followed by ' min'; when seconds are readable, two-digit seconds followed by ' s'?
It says 7 h 09 min
